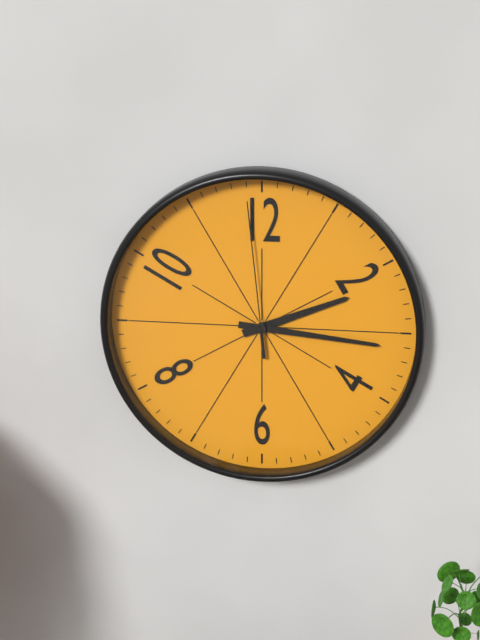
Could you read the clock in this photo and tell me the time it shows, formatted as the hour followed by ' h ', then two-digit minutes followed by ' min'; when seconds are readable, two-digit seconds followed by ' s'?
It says 2 h 16 min 59 s
